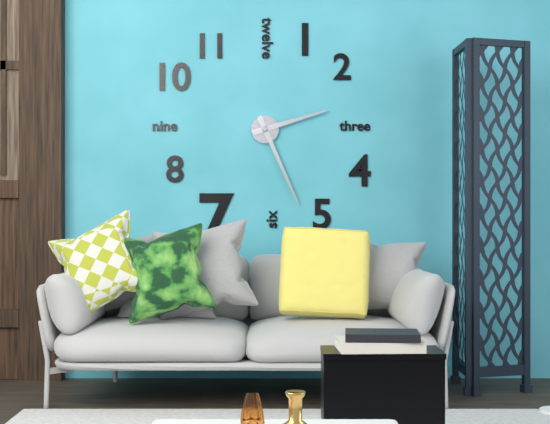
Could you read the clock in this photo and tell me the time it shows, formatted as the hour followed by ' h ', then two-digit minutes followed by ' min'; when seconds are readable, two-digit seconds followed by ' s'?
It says 2 h 26 min
